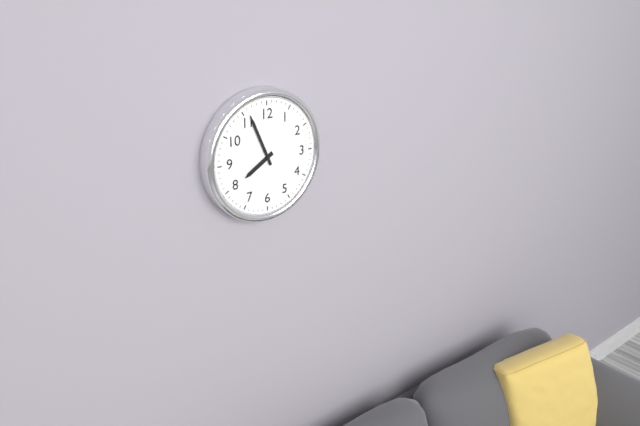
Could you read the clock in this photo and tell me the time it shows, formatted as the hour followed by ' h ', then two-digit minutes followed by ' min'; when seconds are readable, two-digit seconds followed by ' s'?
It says 7 h 56 min
